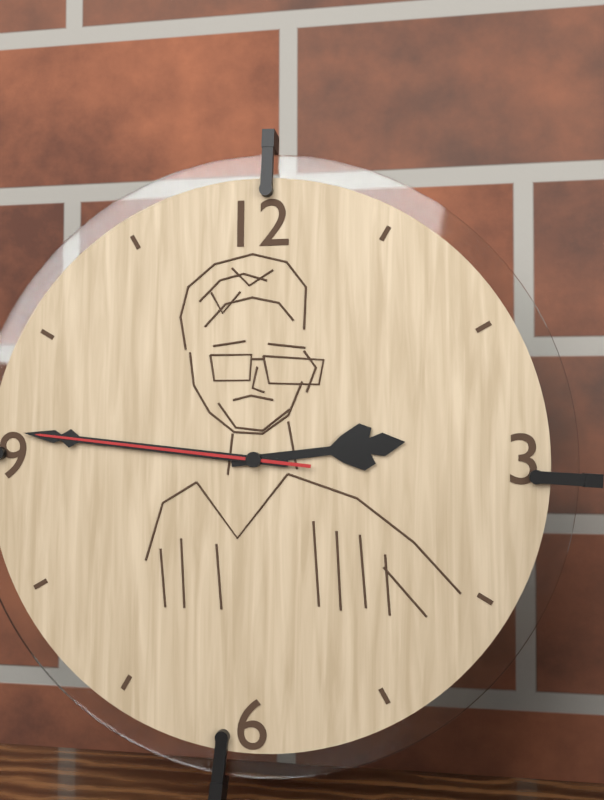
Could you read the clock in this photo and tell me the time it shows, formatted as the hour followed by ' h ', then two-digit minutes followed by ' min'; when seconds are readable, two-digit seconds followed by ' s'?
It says 2 h 46 min 46 s
